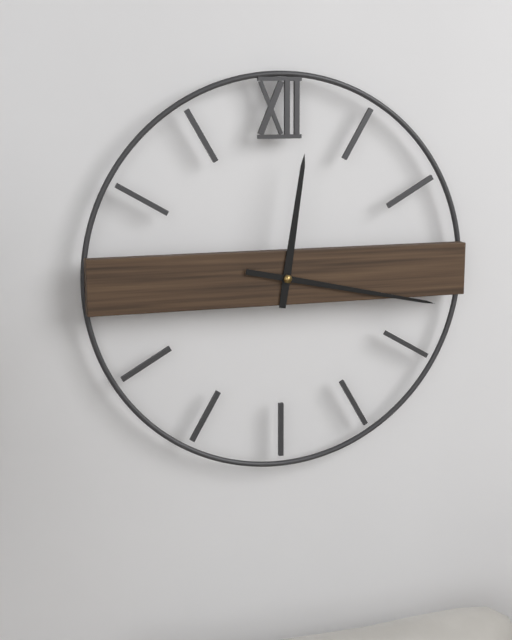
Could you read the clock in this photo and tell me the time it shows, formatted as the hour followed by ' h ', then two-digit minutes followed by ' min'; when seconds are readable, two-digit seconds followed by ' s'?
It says 12 h 17 min
